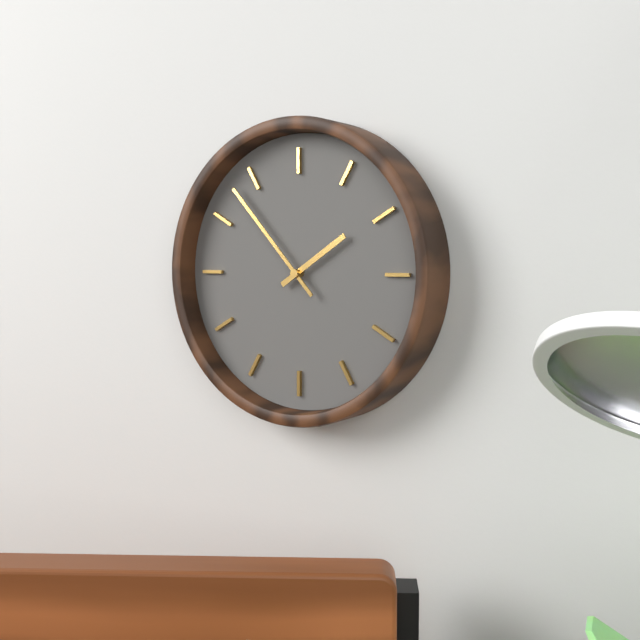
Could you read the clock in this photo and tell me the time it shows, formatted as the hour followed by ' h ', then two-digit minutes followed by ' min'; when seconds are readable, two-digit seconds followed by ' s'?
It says 1 h 53 min
